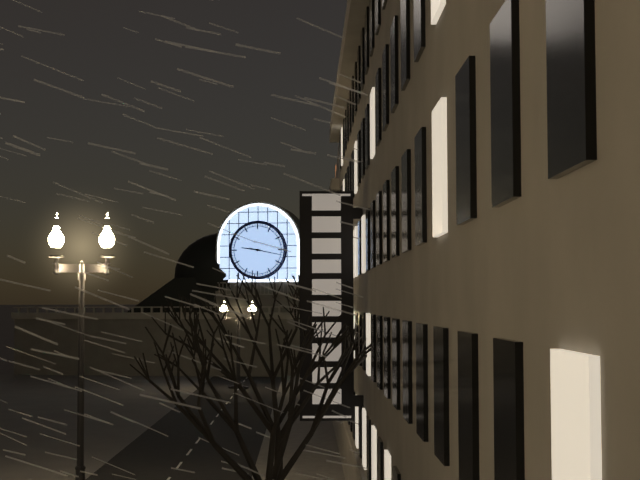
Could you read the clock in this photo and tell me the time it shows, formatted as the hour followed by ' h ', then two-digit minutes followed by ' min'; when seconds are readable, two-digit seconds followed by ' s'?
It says 9 h 17 min
